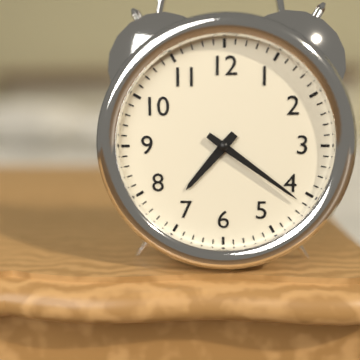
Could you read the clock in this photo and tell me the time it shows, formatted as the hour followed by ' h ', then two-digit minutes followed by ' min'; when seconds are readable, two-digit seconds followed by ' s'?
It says 7 h 21 min
